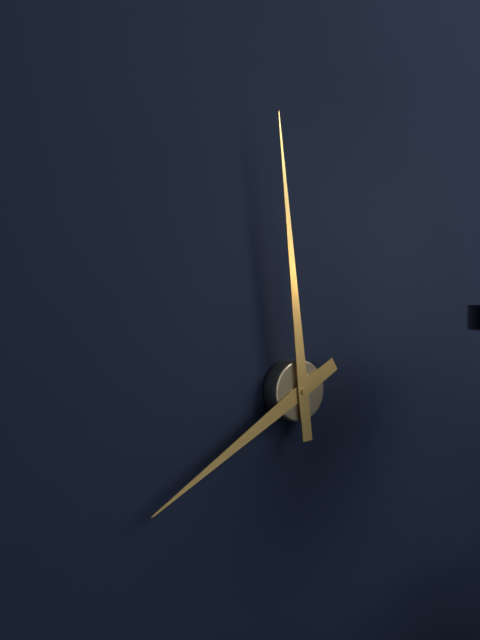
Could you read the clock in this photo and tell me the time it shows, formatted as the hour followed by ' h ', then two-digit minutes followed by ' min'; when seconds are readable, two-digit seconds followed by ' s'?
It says 7 h 59 min
